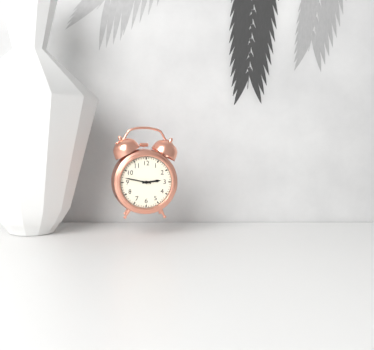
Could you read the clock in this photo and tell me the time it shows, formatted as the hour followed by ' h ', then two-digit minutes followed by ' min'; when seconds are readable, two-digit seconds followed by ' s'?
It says 2 h 47 min
